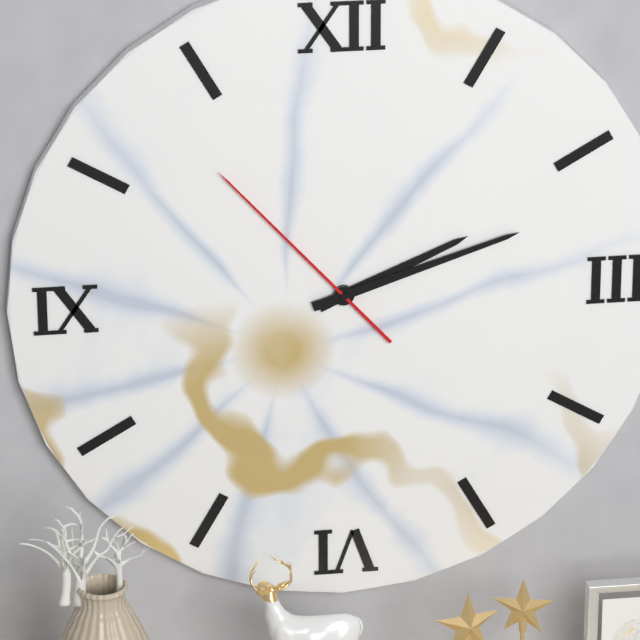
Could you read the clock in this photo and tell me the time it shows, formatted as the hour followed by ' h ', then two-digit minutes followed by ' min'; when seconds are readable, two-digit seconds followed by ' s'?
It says 2 h 12 min 53 s
